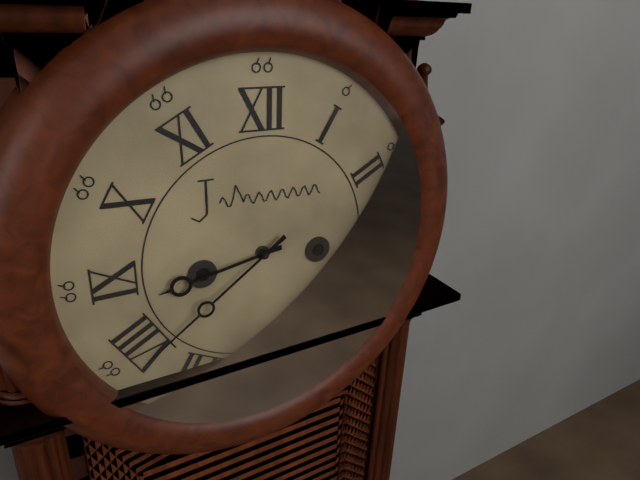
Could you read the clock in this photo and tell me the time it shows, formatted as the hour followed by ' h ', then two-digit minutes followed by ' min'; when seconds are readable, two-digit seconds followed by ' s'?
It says 8 h 39 min
